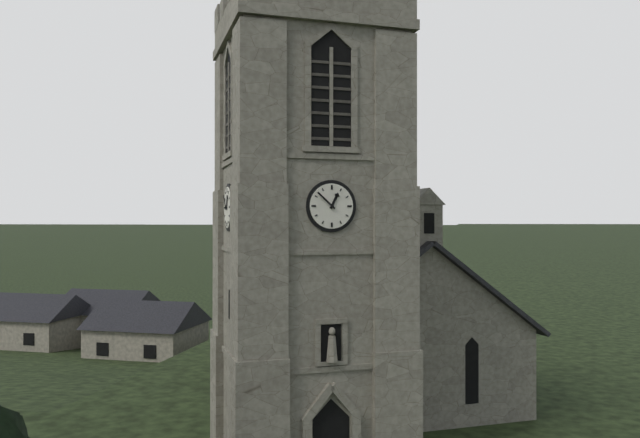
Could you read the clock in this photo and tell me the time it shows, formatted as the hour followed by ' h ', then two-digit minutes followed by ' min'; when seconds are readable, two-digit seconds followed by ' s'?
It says 12 h 52 min
